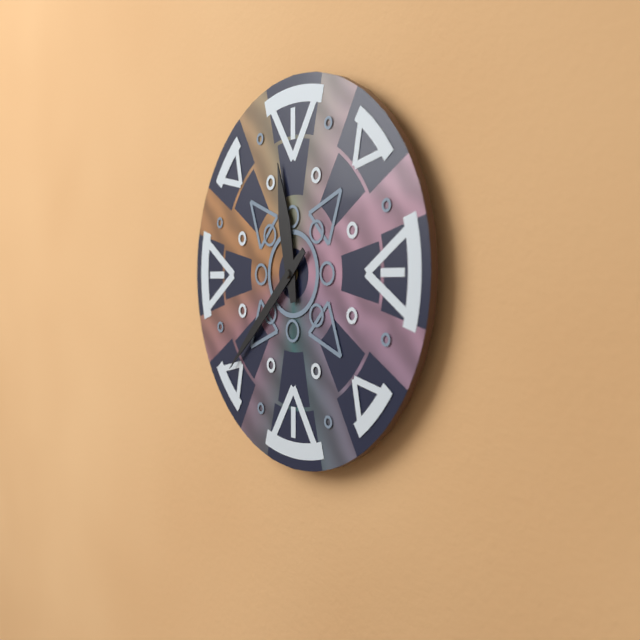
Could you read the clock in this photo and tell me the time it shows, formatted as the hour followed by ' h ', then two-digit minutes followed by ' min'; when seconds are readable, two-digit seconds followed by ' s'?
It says 11 h 38 min
